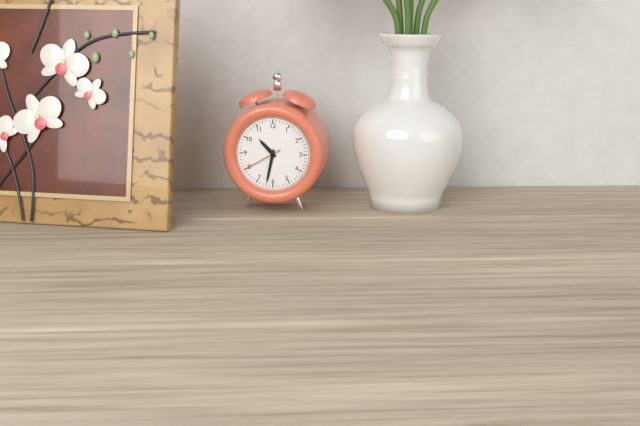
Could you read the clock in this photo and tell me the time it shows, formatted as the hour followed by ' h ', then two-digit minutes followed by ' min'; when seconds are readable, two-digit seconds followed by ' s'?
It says 10 h 32 min
